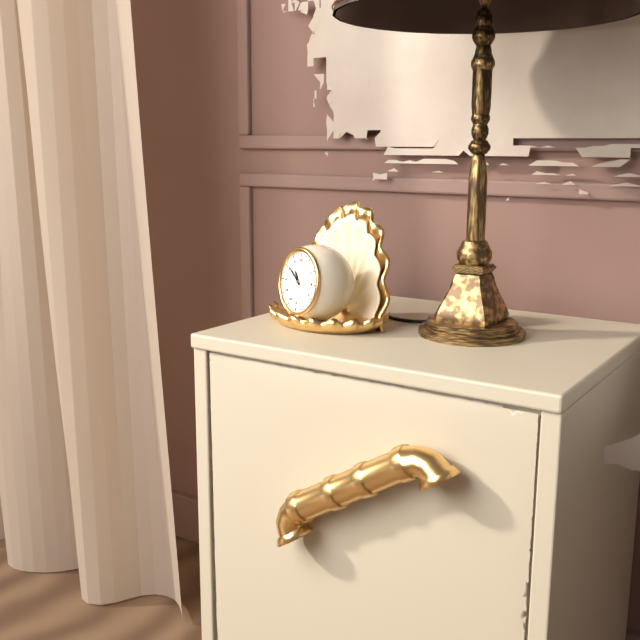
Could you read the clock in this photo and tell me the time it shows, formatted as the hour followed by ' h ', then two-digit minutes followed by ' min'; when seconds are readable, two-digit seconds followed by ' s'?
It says 10 h 51 min
